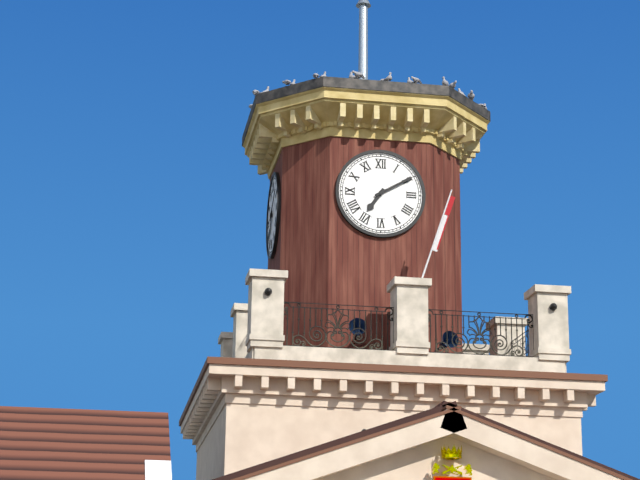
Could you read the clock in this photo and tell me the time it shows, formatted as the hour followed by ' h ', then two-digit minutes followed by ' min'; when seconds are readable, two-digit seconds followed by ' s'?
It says 7 h 10 min
